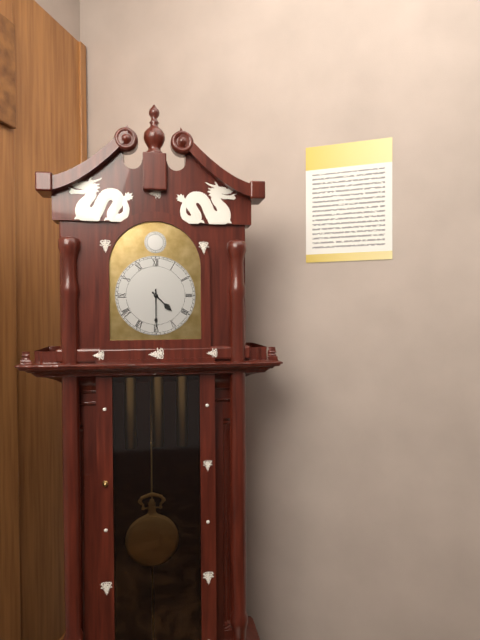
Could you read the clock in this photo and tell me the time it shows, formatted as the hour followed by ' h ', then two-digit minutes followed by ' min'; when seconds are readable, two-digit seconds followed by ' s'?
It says 4 h 30 min
